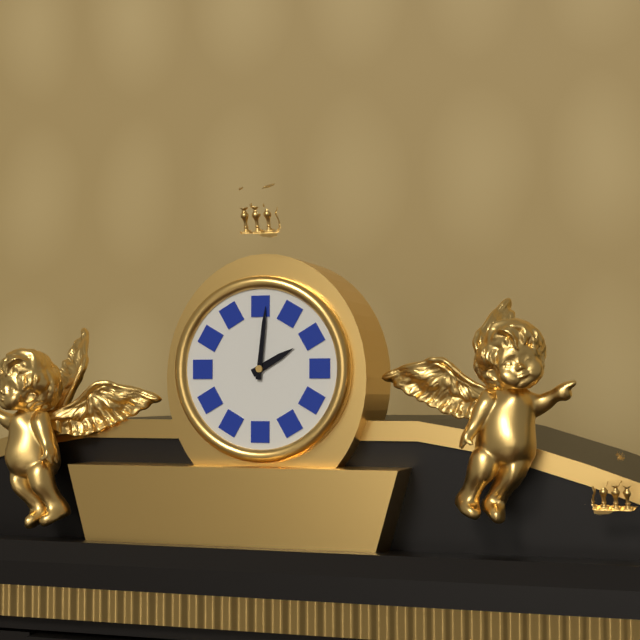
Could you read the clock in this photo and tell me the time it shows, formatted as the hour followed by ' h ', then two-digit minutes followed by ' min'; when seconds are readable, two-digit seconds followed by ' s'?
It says 2 h 01 min
